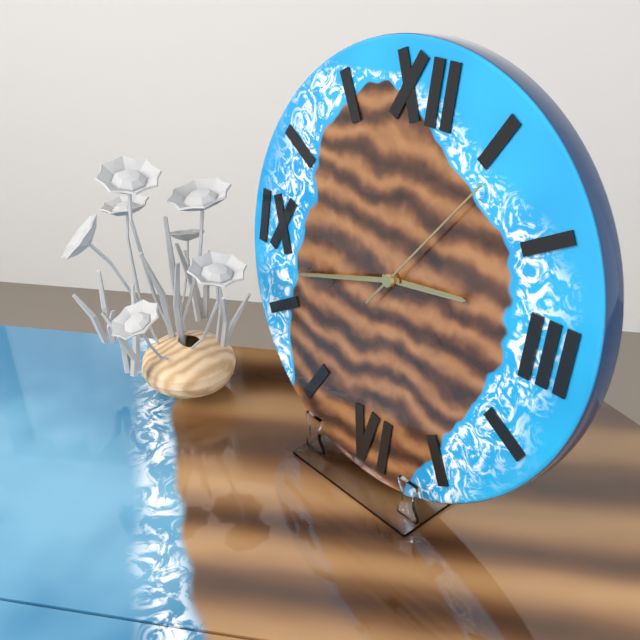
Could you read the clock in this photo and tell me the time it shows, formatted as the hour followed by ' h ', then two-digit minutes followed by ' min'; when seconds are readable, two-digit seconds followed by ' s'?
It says 2 h 42 min 06 s
